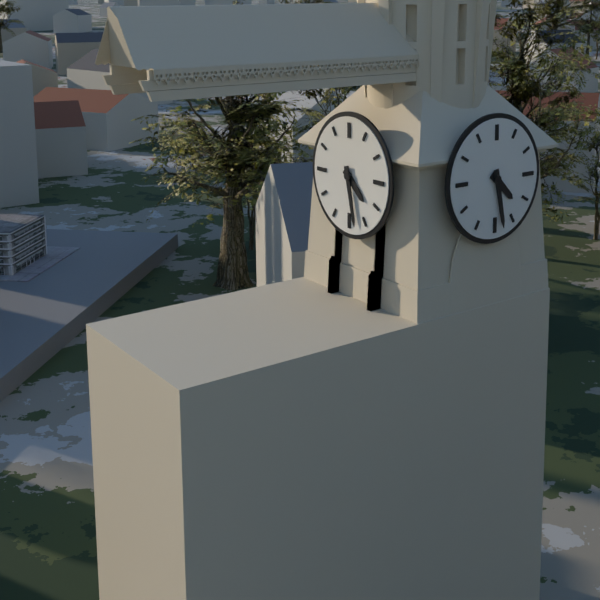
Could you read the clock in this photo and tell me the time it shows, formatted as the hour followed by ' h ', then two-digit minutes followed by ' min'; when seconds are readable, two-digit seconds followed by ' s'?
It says 4 h 28 min
